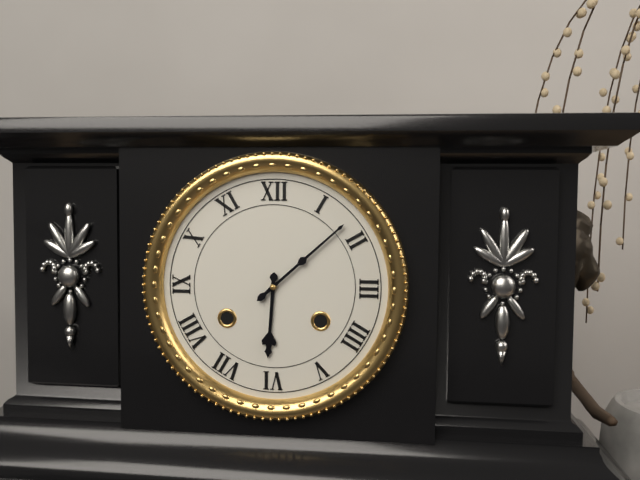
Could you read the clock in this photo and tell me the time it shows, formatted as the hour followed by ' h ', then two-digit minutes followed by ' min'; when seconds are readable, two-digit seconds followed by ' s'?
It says 6 h 08 min
